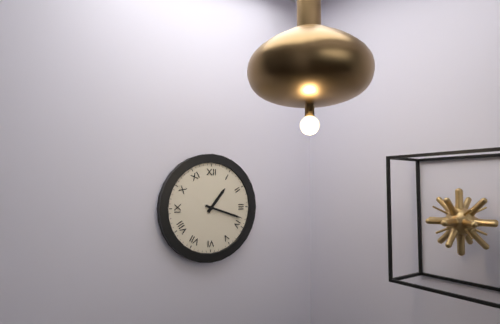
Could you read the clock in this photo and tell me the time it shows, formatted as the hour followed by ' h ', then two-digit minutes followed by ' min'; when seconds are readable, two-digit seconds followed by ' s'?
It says 1 h 18 min
